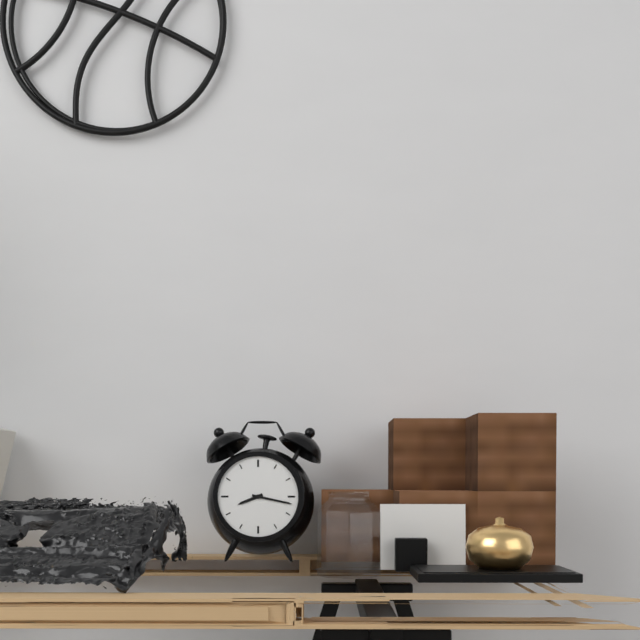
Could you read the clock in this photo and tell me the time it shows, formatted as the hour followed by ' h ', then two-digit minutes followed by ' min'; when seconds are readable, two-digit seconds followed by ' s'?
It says 8 h 17 min
